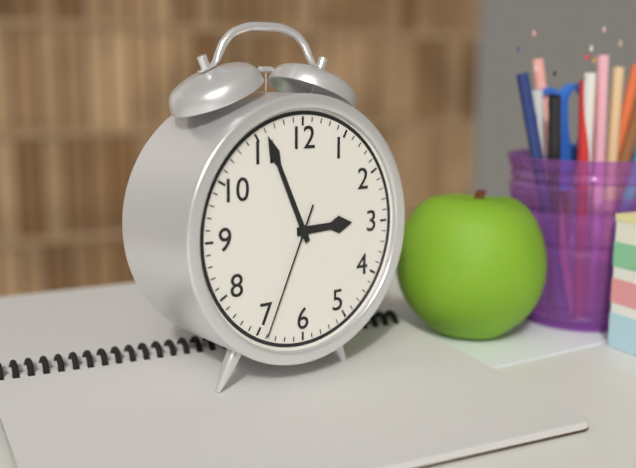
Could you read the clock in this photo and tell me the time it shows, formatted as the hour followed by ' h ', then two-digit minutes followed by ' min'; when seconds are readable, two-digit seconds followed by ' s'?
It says 2 h 56 min 34 s
